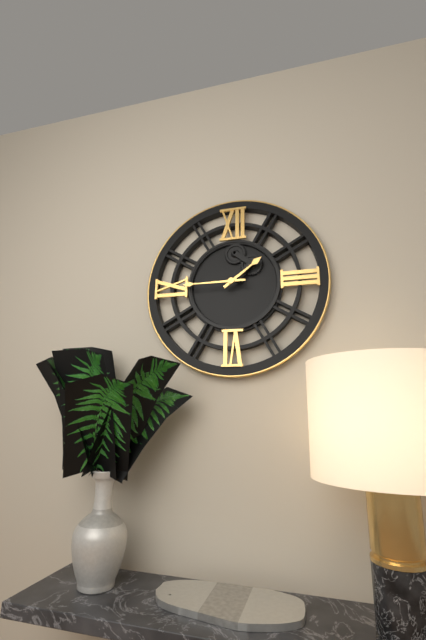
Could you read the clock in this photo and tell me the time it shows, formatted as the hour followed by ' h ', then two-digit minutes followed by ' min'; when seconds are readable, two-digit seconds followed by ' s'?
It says 1 h 45 min
